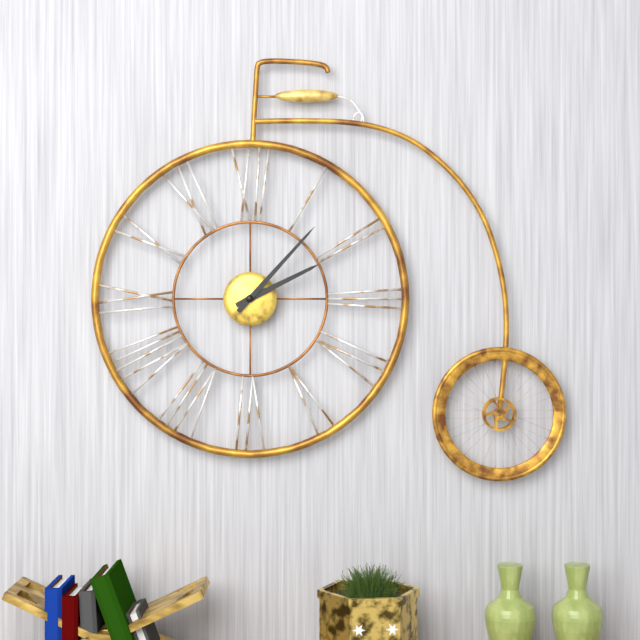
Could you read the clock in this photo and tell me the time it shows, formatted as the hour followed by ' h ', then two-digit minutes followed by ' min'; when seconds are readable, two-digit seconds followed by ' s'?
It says 2 h 07 min
